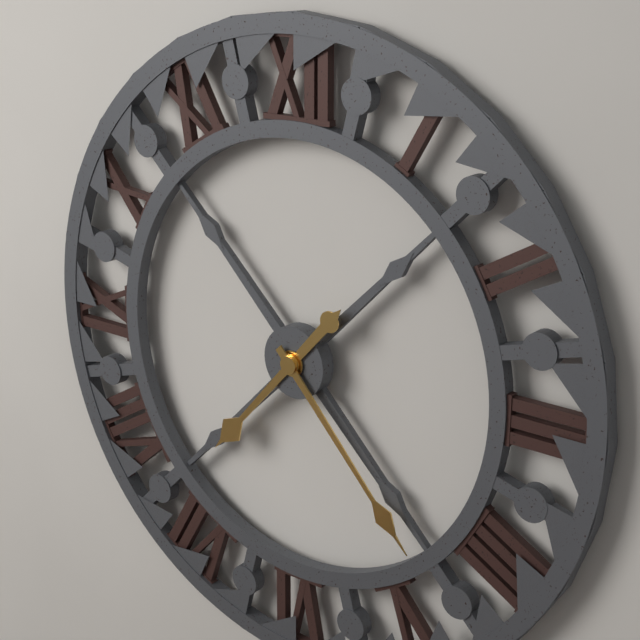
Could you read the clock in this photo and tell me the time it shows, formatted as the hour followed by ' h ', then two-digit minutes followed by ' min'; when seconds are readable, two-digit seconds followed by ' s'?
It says 7 h 23 min
